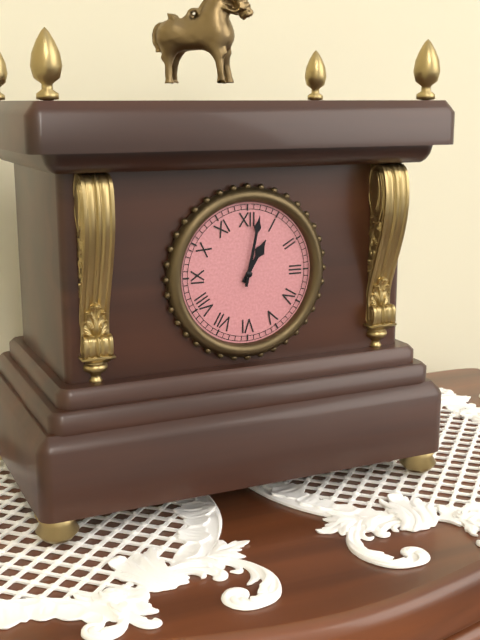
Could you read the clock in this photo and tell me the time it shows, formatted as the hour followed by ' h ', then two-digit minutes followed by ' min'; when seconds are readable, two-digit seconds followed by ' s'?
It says 1 h 02 min
